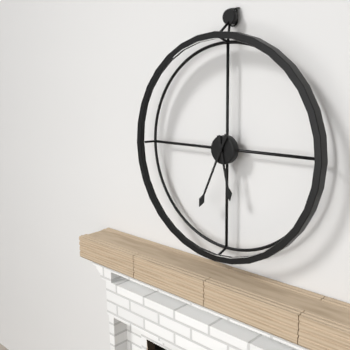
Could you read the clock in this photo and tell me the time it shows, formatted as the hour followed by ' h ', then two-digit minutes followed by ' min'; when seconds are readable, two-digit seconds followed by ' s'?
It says 5 h 34 min
